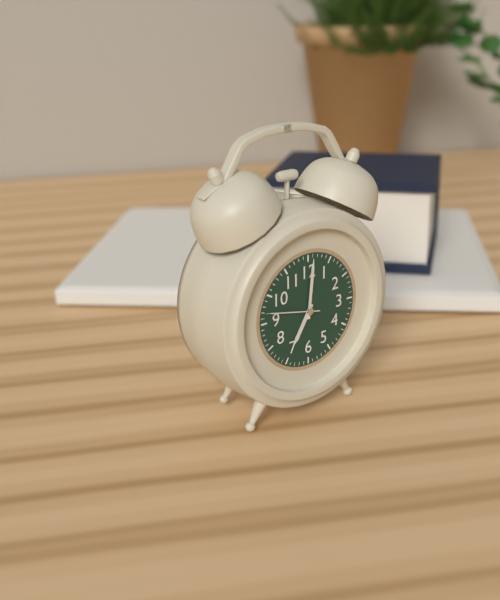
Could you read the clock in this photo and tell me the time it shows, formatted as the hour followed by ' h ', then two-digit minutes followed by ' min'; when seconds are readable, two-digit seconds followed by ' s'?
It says 7 h 01 min 47 s
